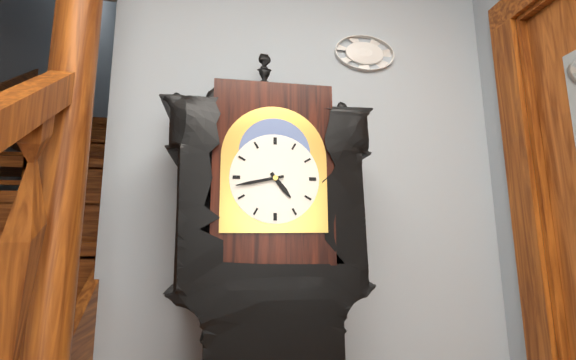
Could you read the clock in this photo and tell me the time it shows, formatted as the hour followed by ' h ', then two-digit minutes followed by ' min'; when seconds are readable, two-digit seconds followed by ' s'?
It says 4 h 43 min
